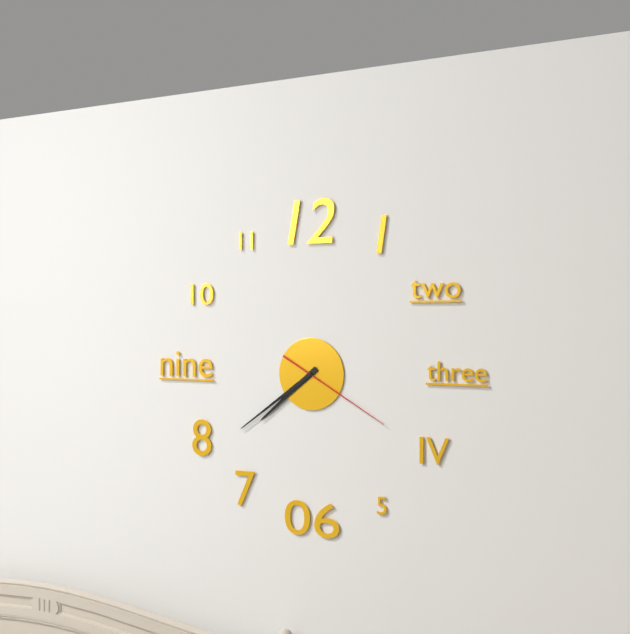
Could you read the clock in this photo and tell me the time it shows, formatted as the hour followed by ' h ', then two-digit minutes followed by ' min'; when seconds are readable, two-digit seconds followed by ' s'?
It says 7 h 39 min 20 s
